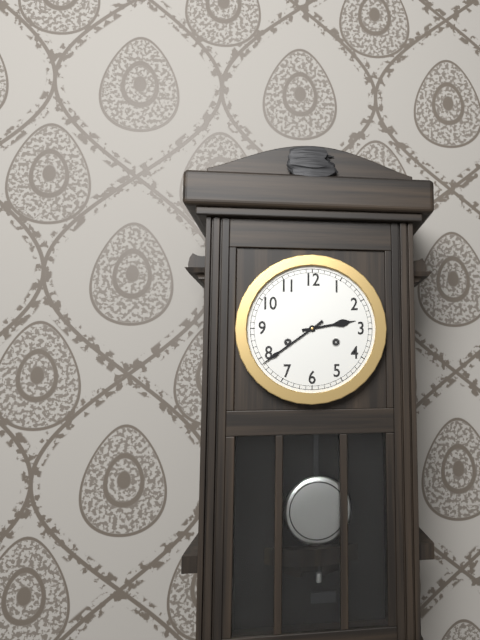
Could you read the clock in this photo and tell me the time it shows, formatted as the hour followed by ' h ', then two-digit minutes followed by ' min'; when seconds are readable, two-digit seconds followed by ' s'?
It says 2 h 39 min
